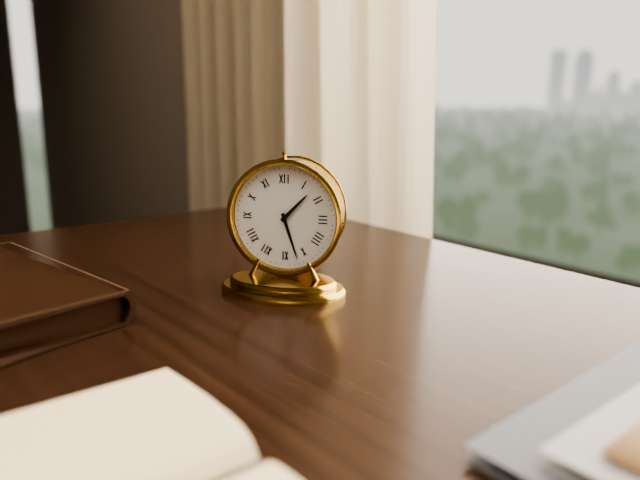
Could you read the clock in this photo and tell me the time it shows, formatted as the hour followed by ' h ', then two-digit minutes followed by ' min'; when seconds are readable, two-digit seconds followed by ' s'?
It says 1 h 27 min
